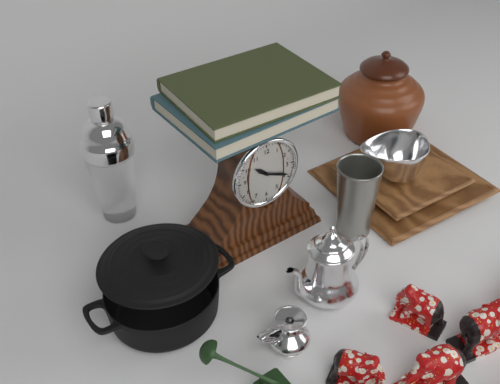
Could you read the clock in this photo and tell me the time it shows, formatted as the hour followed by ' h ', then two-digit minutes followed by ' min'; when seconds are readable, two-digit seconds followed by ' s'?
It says 10 h 19 min
